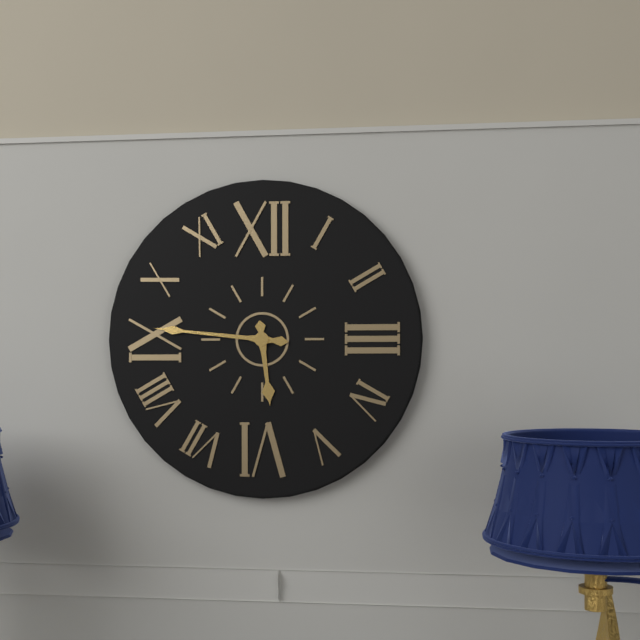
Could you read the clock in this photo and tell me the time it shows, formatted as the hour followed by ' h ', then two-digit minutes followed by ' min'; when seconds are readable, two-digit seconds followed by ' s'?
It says 5 h 46 min
